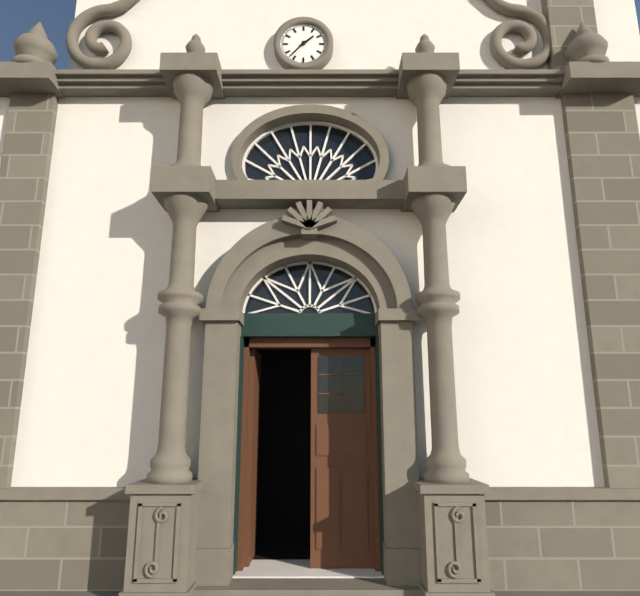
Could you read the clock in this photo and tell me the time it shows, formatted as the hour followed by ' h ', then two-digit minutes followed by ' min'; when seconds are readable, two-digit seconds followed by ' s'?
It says 1 h 37 min
